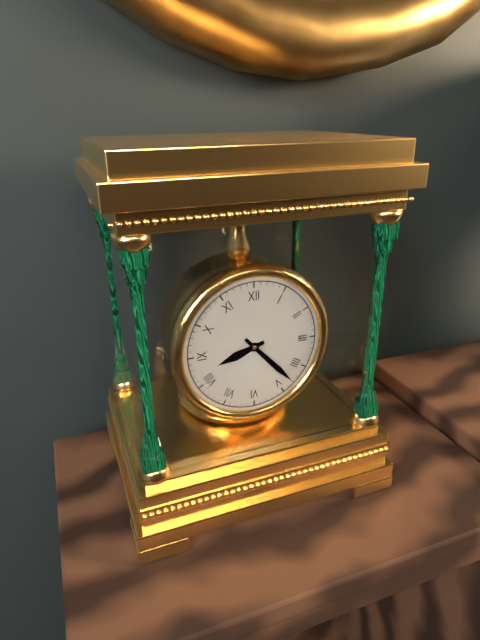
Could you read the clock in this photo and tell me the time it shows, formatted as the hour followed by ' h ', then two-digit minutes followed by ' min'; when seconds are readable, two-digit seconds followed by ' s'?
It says 8 h 23 min
